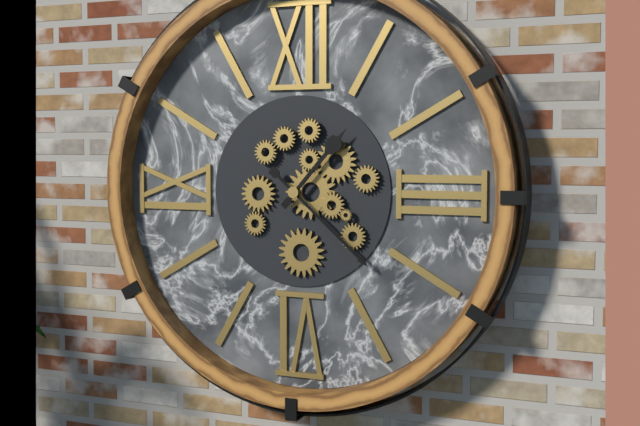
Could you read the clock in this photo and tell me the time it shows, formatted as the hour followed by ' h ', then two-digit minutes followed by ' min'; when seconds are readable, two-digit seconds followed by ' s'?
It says 1 h 22 min
